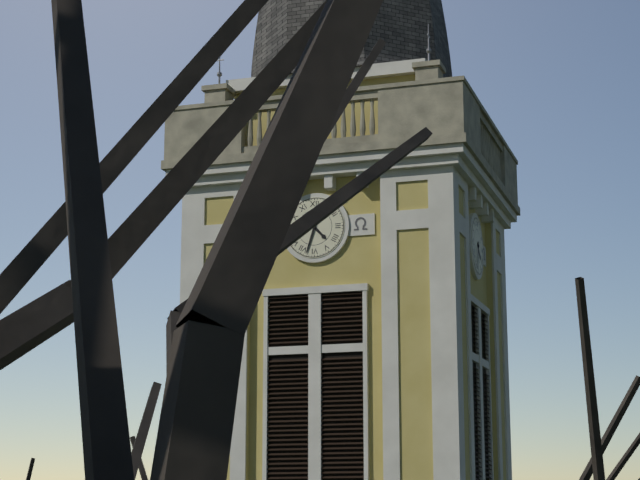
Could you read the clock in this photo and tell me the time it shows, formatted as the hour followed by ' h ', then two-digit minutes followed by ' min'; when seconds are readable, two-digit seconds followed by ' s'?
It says 4 h 33 min
